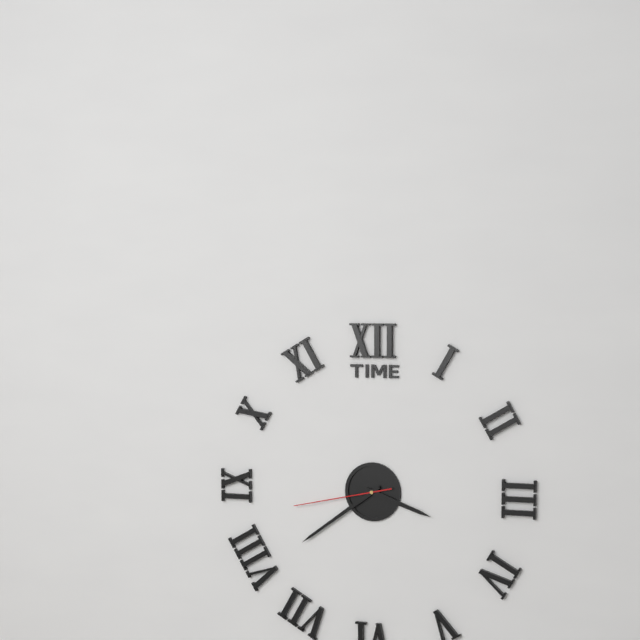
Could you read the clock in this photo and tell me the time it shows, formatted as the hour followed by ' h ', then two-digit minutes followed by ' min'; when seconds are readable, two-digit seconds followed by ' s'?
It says 3 h 39 min 43 s
